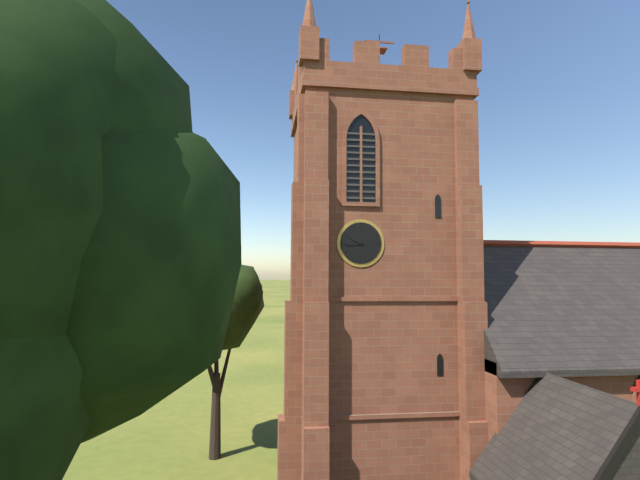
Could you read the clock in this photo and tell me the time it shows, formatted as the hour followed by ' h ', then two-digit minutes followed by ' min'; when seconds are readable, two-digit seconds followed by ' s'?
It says 9 h 44 min
